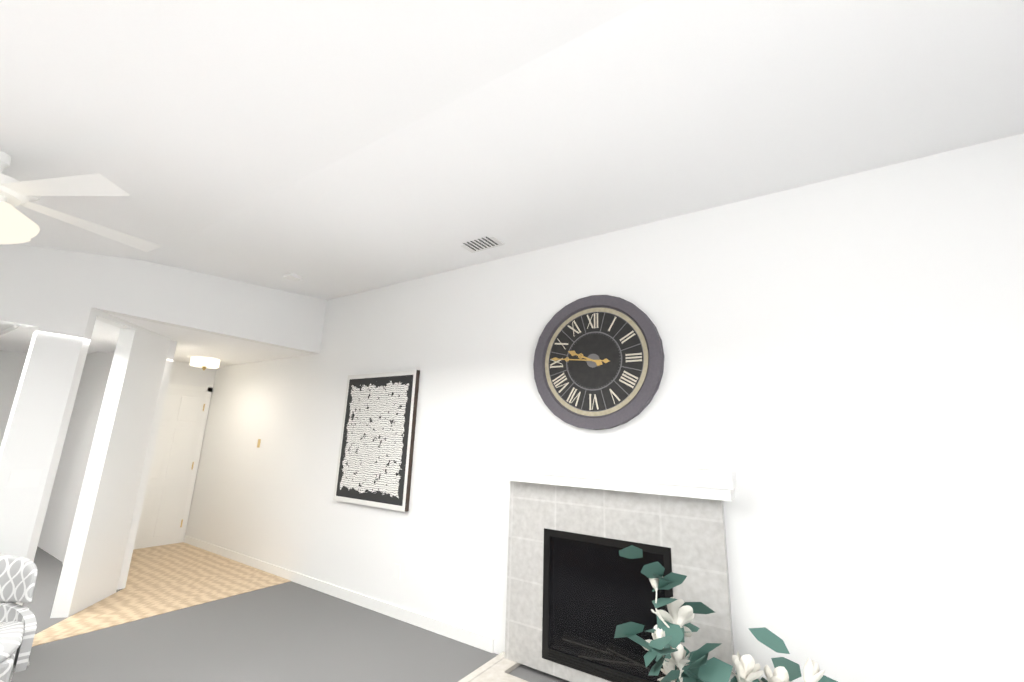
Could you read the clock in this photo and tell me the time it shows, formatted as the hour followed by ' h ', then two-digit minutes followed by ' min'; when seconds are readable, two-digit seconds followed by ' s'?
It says 9 h 46 min
